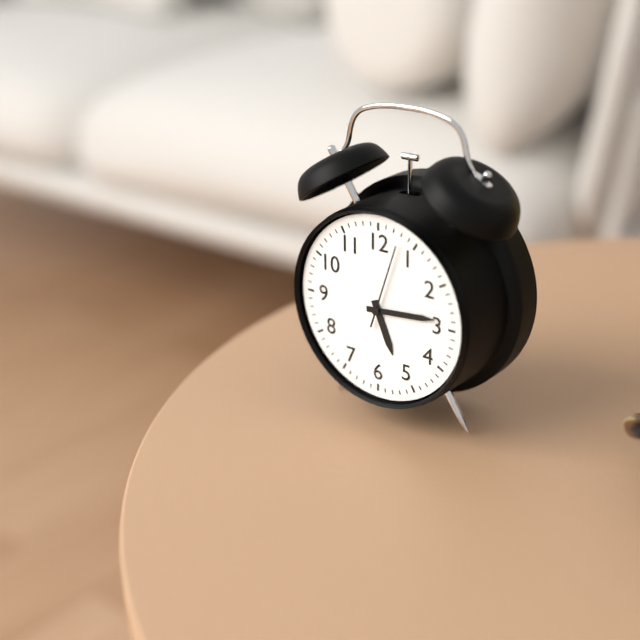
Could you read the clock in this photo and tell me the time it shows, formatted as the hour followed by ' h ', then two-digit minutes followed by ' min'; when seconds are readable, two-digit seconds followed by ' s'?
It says 5 h 14 min 03 s
